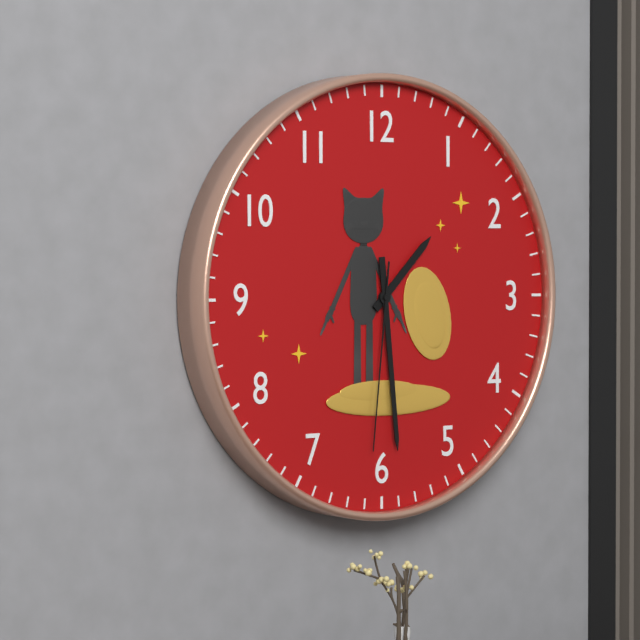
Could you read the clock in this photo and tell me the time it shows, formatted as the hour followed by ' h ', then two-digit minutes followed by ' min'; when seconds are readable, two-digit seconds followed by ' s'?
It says 1 h 29 min 31 s
